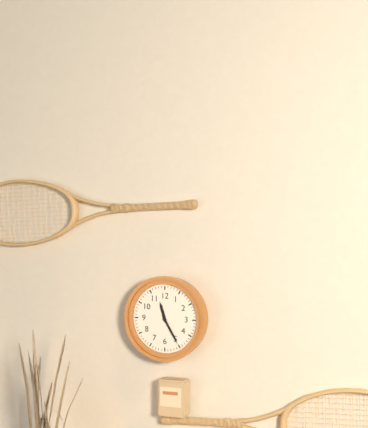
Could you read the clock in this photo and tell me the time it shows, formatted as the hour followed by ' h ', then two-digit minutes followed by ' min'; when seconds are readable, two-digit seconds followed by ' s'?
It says 11 h 25 min
